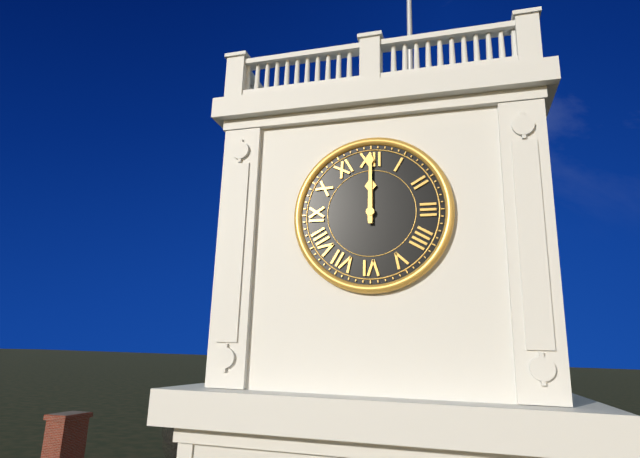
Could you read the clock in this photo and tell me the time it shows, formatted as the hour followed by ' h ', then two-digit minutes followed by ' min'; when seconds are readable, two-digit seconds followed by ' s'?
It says 12 h 00 min
